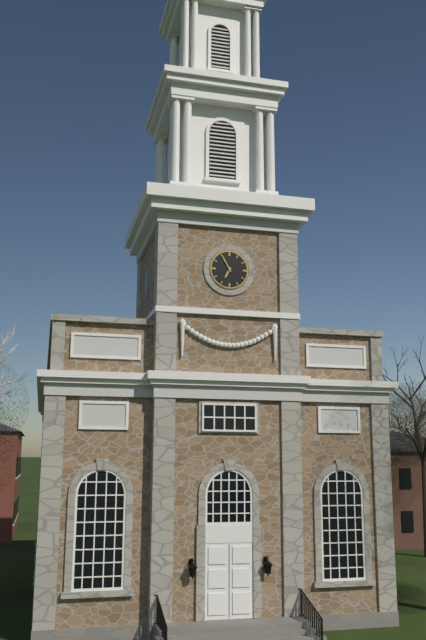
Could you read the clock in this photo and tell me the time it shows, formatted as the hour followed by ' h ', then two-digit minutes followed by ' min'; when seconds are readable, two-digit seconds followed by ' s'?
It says 6 h 55 min
